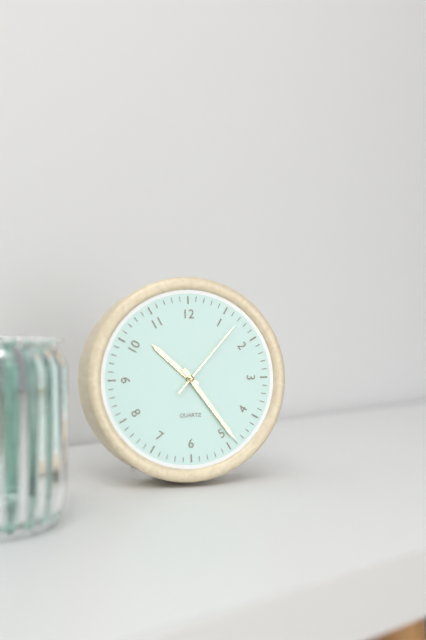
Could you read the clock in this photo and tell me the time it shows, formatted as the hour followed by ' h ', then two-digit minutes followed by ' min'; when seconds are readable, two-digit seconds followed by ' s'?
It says 10 h 24 min 07 s
